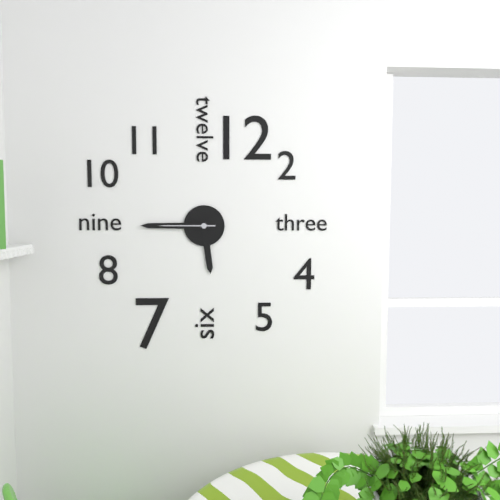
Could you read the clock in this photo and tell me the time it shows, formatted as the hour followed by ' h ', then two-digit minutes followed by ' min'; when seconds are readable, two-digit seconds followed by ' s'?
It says 5 h 45 min 45 s
